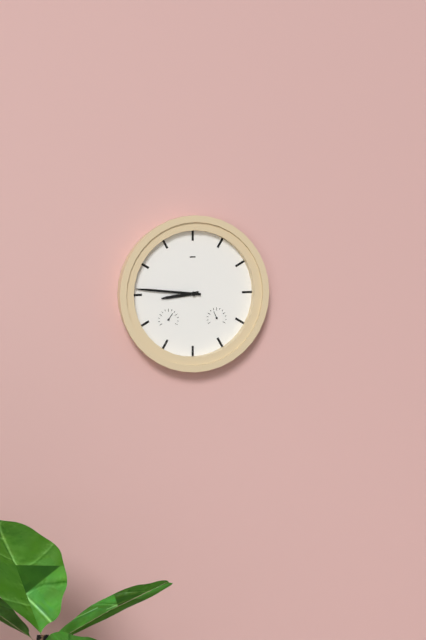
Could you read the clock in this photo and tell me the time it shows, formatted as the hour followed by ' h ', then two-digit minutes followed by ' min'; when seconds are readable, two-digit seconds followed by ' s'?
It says 8 h 46 min
